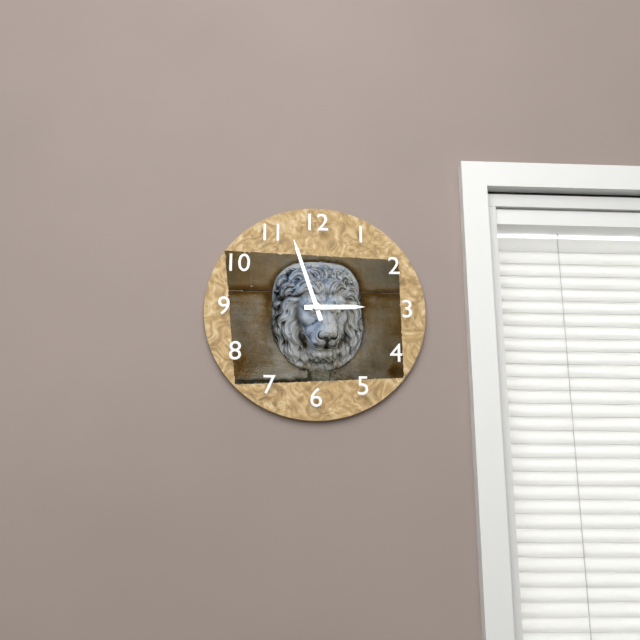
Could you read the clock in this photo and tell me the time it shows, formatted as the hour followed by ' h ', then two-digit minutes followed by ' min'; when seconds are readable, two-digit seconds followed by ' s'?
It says 2 h 57 min
